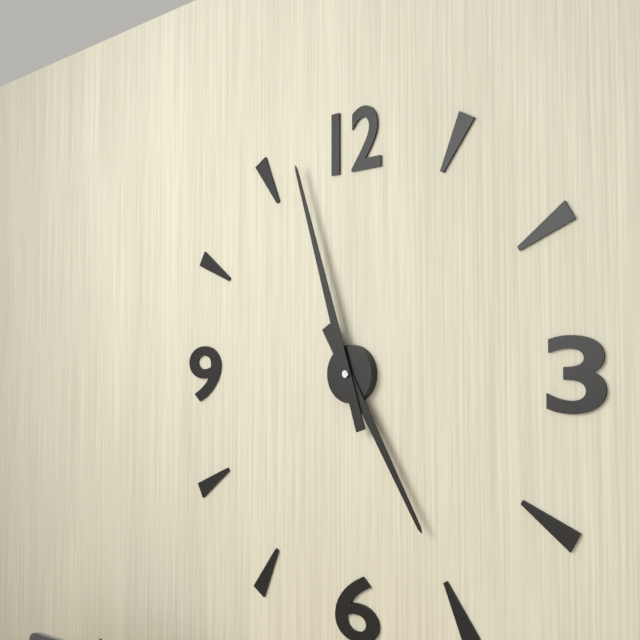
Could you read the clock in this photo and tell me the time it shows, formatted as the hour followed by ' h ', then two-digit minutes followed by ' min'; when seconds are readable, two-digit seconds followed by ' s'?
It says 4 h 57 min
